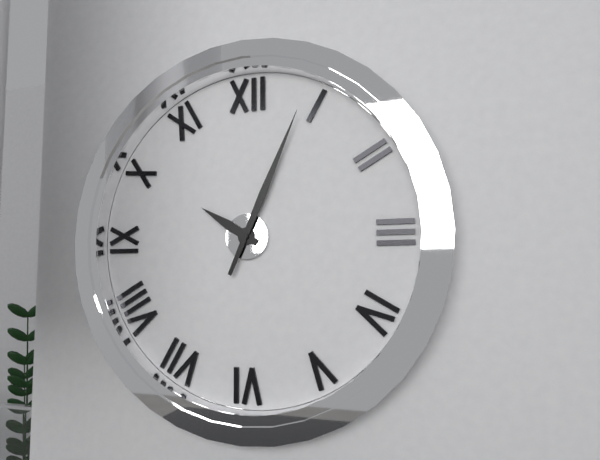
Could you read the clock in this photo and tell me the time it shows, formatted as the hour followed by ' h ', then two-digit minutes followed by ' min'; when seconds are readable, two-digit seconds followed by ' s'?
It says 10 h 04 min
